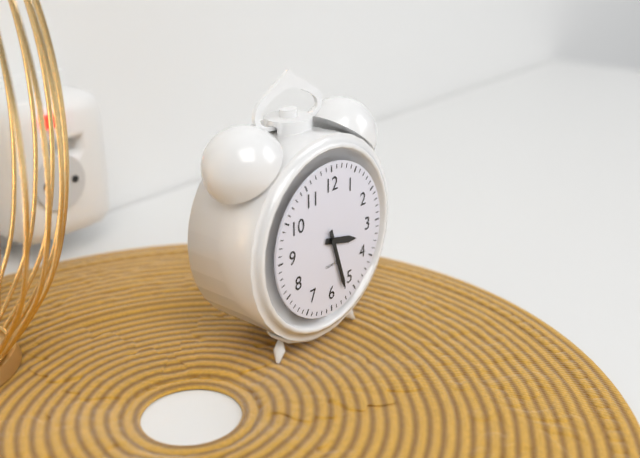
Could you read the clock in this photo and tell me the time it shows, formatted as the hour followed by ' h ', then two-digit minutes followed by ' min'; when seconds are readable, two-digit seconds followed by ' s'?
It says 3 h 27 min
